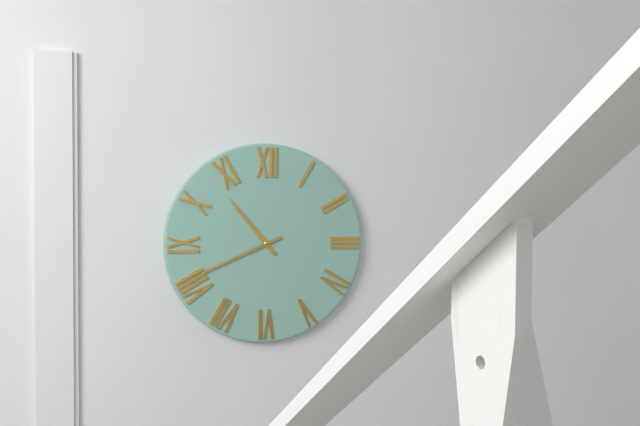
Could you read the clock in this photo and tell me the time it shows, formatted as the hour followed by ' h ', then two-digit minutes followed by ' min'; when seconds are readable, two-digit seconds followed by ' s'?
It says 10 h 41 min
